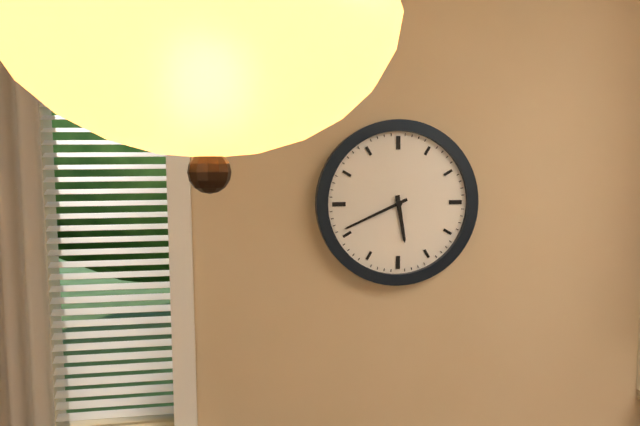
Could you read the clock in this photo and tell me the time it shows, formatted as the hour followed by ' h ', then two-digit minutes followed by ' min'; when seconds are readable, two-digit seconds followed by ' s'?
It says 5 h 41 min
